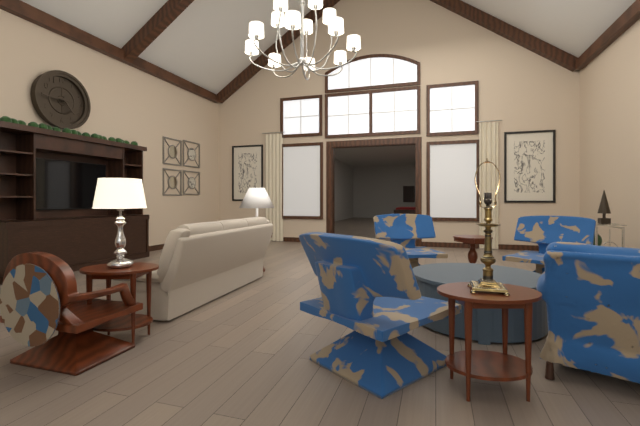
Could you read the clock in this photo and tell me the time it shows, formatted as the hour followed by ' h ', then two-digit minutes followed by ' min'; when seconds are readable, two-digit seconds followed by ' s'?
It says 4 h 45 min
